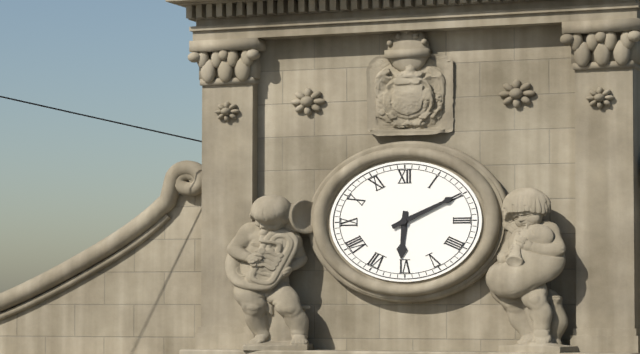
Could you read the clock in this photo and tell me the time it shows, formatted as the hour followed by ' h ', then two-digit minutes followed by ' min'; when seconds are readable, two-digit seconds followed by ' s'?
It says 6 h 11 min
